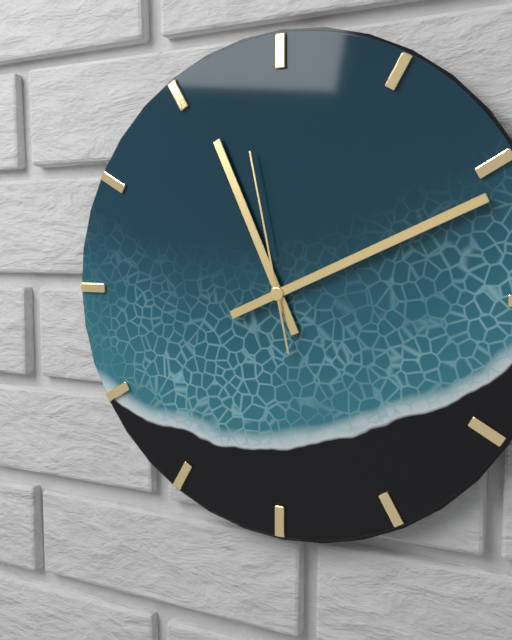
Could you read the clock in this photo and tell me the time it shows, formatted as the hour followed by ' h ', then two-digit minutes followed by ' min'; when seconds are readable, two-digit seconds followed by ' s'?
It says 11 h 11 min 58 s
